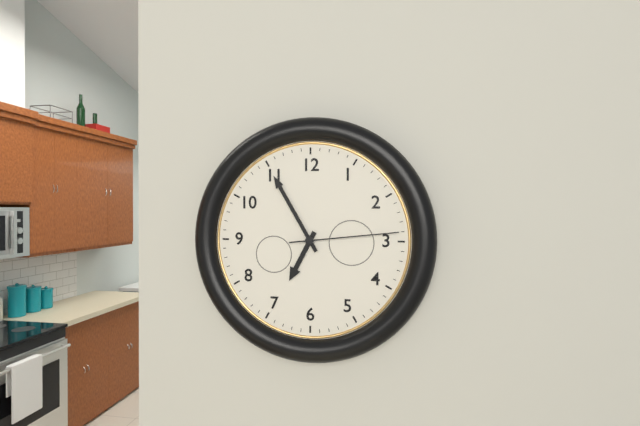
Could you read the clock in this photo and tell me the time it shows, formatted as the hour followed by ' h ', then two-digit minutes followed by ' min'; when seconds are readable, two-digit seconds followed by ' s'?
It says 6 h 55 min 14 s
